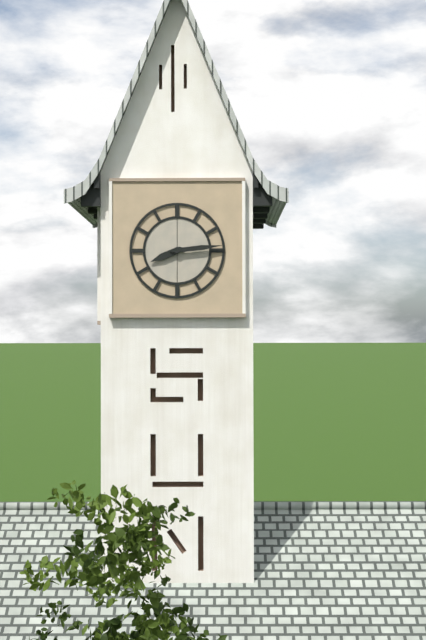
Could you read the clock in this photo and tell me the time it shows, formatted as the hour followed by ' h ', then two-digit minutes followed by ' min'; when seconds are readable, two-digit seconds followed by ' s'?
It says 8 h 14 min
